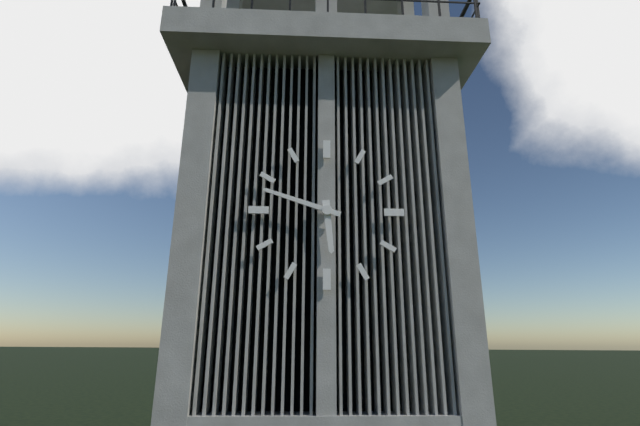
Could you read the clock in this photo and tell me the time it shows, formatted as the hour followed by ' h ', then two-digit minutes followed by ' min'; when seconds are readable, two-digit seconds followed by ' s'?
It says 5 h 48 min
